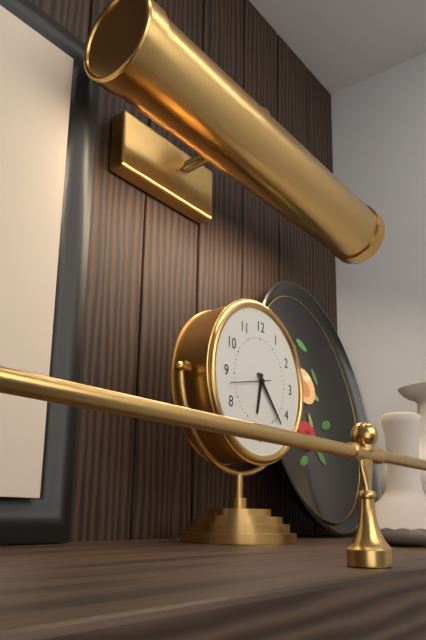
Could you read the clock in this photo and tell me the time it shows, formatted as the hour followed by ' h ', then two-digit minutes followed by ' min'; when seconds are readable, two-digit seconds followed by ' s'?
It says 6 h 23 min
